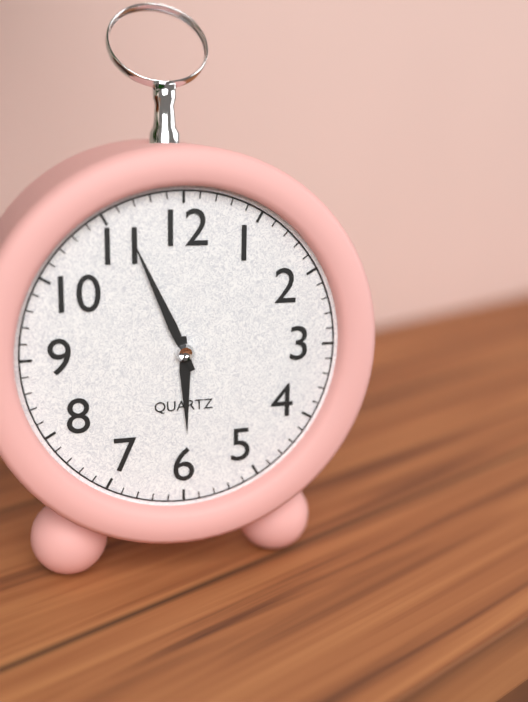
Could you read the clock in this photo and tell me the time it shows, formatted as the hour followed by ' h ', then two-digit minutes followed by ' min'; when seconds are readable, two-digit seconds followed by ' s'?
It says 5 h 56 min
